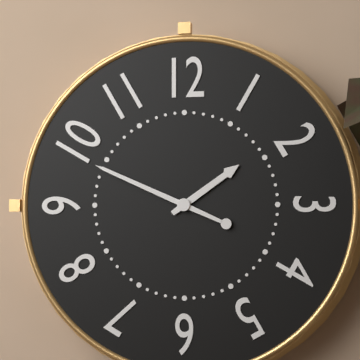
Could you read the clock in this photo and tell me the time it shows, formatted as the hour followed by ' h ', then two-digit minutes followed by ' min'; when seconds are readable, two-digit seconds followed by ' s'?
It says 1 h 49 min
